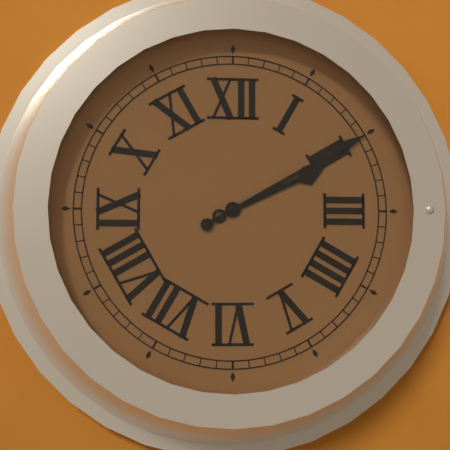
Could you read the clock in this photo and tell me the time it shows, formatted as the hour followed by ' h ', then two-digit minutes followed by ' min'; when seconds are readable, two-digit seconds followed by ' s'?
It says 2 h 10 min
